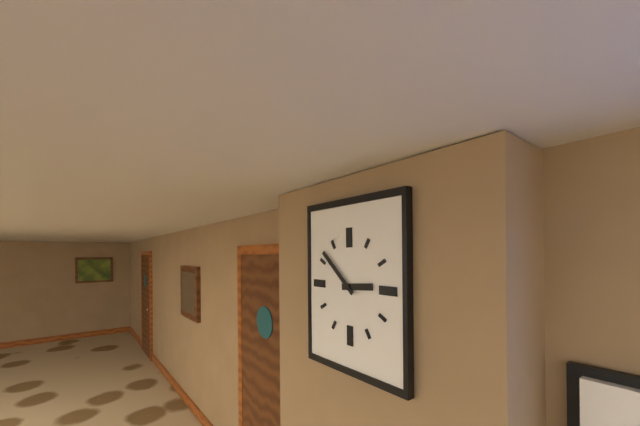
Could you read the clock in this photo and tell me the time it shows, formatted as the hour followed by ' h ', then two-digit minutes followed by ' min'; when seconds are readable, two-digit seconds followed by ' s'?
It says 2 h 52 min
